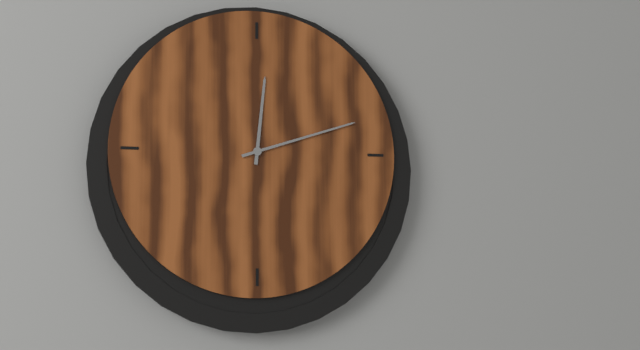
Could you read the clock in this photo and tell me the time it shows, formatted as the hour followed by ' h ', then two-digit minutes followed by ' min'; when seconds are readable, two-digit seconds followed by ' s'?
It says 12 h 12 min
